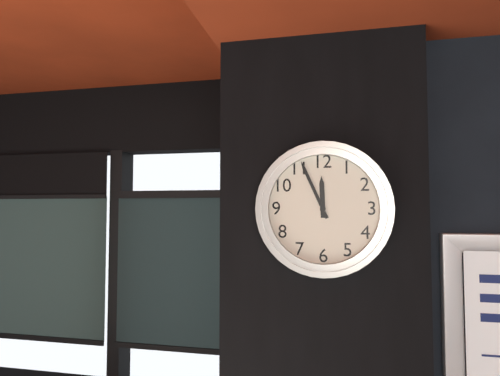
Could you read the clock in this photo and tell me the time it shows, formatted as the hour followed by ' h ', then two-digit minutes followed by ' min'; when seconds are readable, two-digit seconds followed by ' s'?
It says 11 h 56 min
